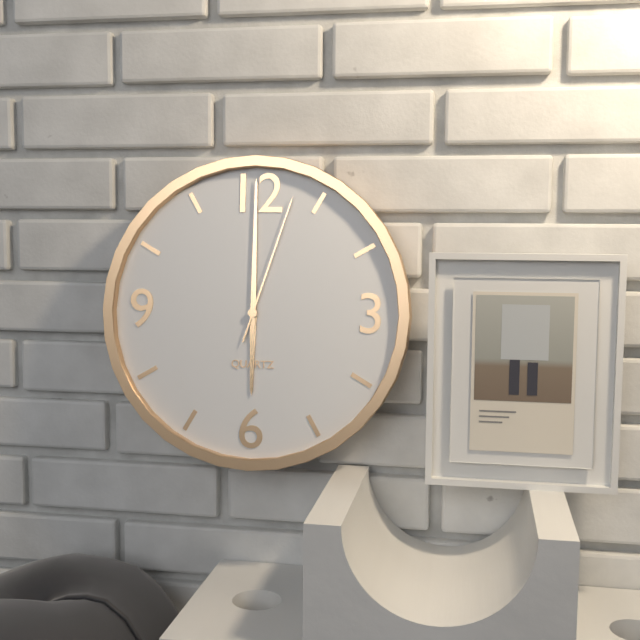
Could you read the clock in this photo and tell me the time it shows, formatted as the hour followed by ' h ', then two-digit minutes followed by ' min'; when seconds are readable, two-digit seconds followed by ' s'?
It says 6 h 00 min 03 s
